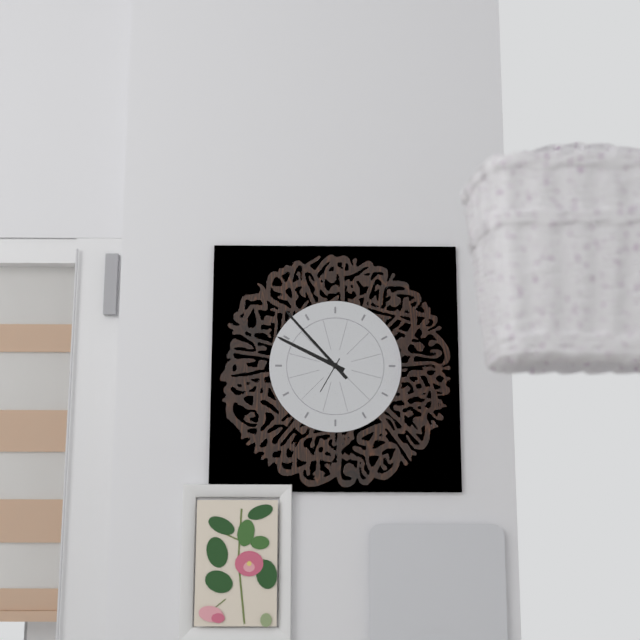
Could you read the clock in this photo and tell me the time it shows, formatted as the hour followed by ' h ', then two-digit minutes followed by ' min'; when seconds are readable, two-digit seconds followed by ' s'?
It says 9 h 53 min
